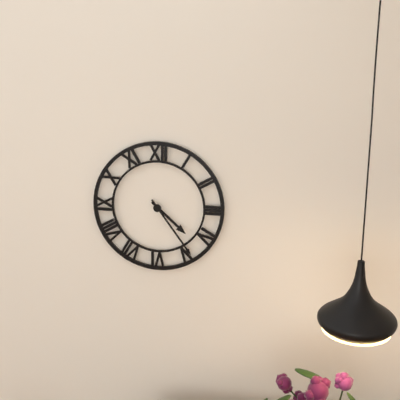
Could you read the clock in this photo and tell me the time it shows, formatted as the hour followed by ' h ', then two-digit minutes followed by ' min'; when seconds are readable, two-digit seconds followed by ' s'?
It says 4 h 24 min
